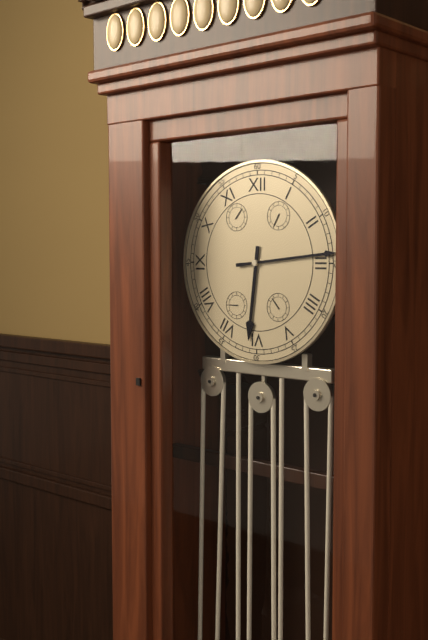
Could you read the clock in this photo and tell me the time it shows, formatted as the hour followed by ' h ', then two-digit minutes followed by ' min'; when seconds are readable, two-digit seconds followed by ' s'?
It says 6 h 14 min
